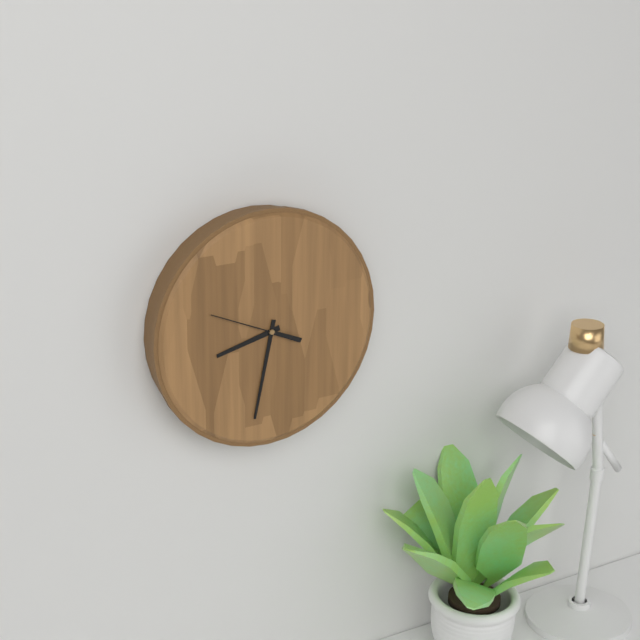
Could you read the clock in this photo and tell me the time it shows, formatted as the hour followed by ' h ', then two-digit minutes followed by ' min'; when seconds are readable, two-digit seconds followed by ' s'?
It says 8 h 32 min 49 s
